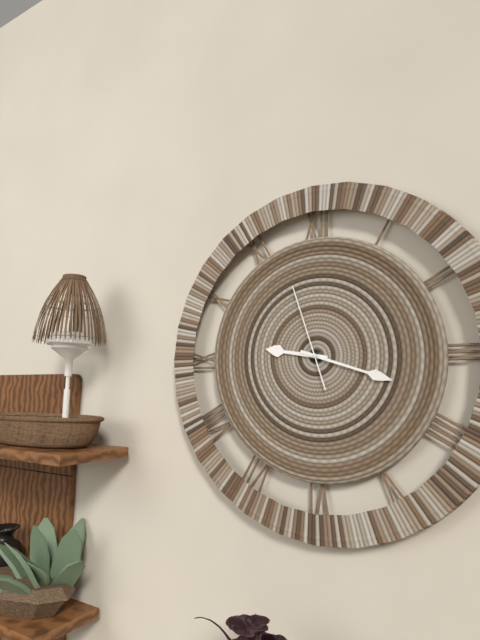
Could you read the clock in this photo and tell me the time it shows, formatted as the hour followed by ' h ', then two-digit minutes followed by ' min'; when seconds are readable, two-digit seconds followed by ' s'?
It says 9 h 18 min 57 s
